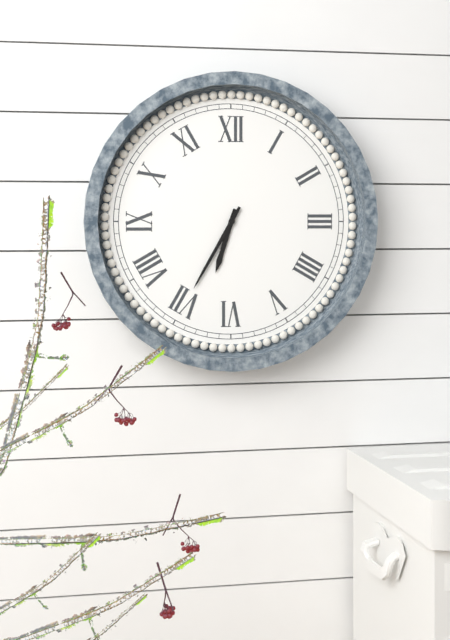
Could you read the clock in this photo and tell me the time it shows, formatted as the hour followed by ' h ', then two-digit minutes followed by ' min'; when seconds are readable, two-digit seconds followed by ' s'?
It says 6 h 35 min
